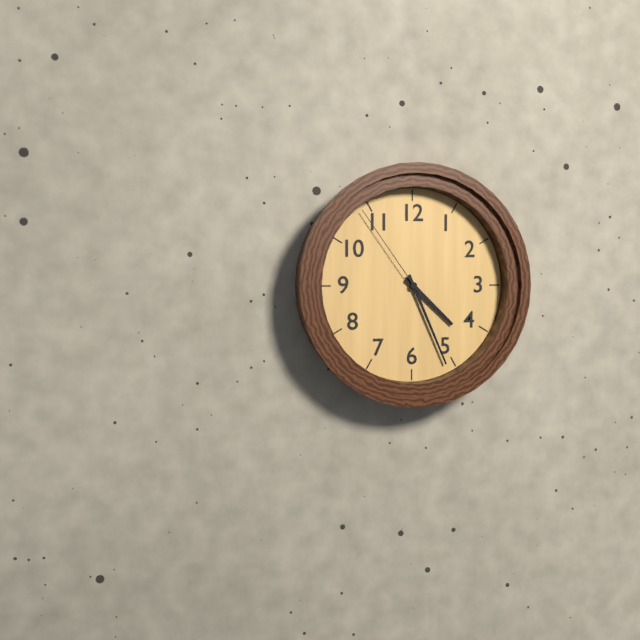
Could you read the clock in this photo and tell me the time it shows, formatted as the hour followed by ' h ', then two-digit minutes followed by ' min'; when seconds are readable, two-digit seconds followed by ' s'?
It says 4 h 26 min 54 s
